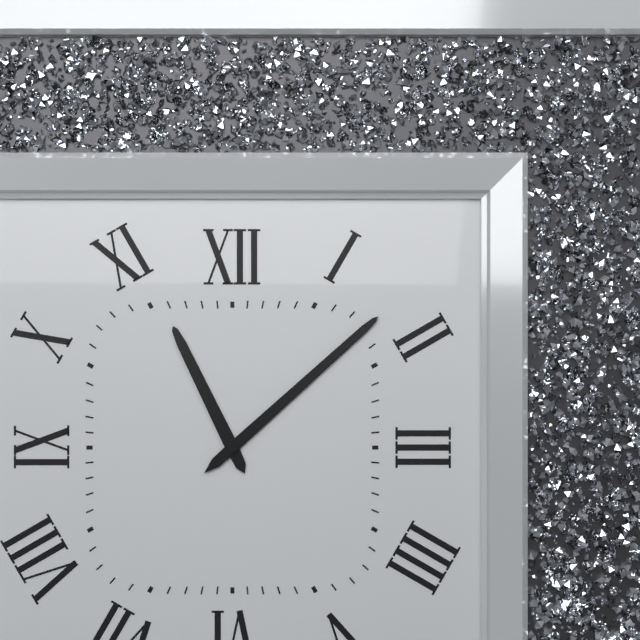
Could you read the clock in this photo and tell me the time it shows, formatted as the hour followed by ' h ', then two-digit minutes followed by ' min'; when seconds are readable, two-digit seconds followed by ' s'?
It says 11 h 08 min
